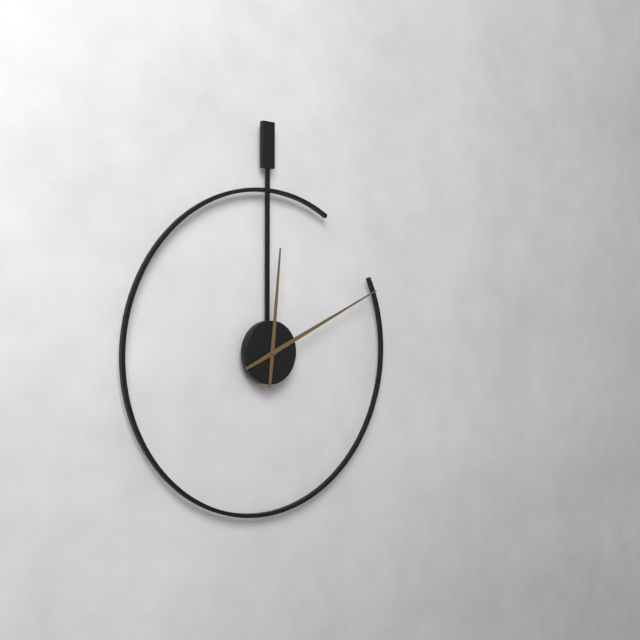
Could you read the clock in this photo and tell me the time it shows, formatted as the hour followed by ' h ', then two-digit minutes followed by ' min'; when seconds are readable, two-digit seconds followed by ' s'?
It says 12 h 11 min
